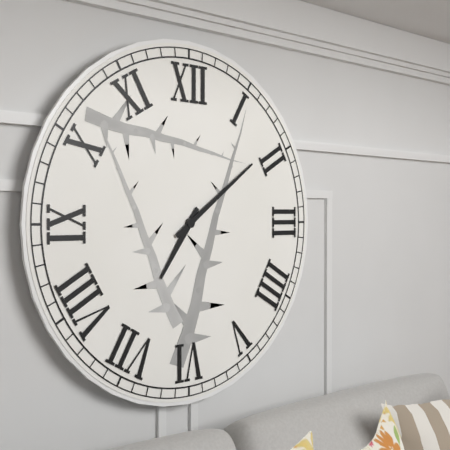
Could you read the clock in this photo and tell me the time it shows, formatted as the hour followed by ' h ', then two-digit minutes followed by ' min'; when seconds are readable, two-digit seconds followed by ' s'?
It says 7 h 09 min
